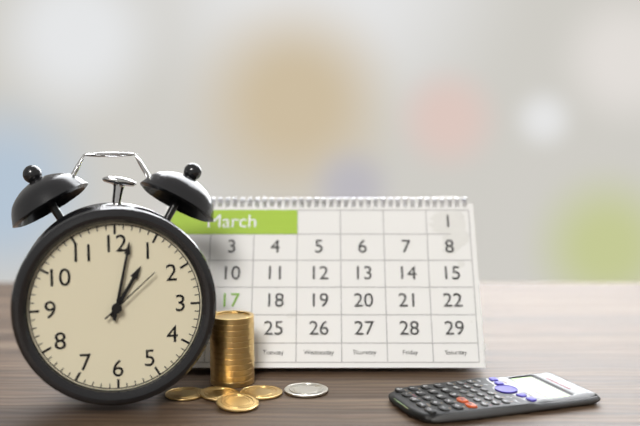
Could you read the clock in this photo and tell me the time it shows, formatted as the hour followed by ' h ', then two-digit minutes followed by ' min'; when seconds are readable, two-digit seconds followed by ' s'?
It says 1 h 02 min 08 s
